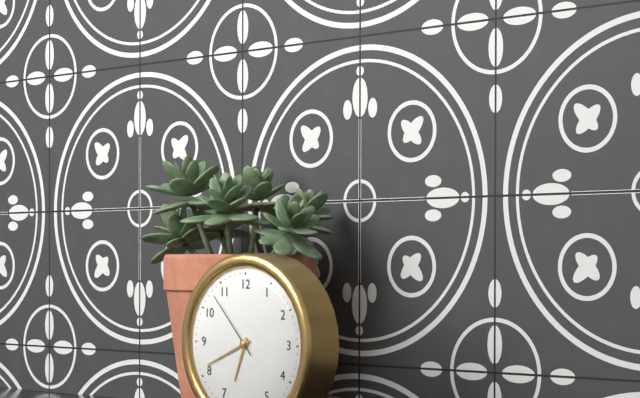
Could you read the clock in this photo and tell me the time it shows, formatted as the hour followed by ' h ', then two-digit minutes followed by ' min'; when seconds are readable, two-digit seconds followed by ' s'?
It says 6 h 41 min 53 s
